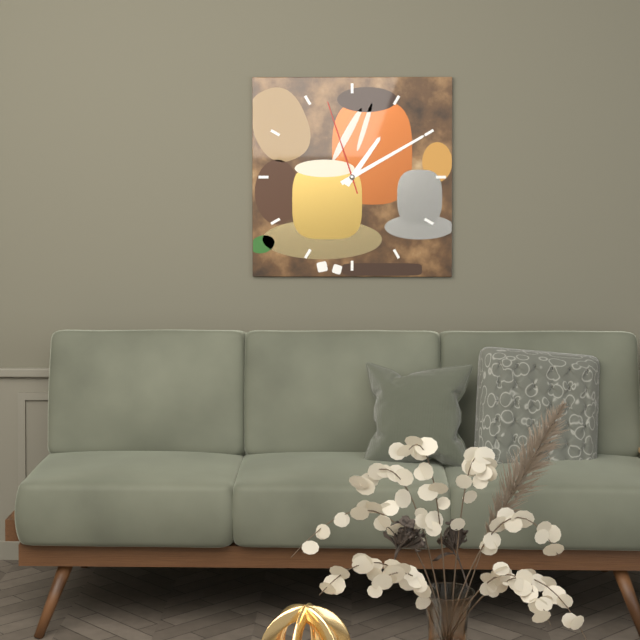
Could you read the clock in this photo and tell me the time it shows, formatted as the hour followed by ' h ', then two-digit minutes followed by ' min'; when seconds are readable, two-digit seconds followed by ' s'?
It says 1 h 10 min 57 s
